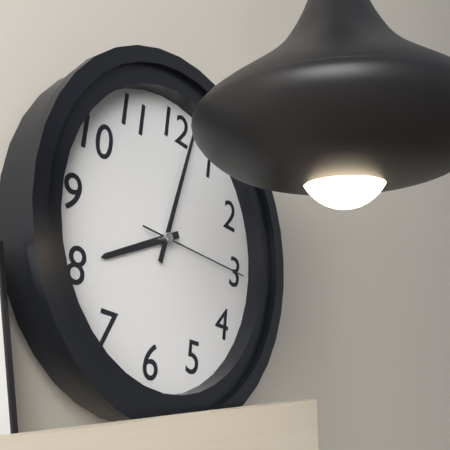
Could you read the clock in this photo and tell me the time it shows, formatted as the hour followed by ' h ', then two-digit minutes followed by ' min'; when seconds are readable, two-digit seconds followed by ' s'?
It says 8 h 02 min 15 s
